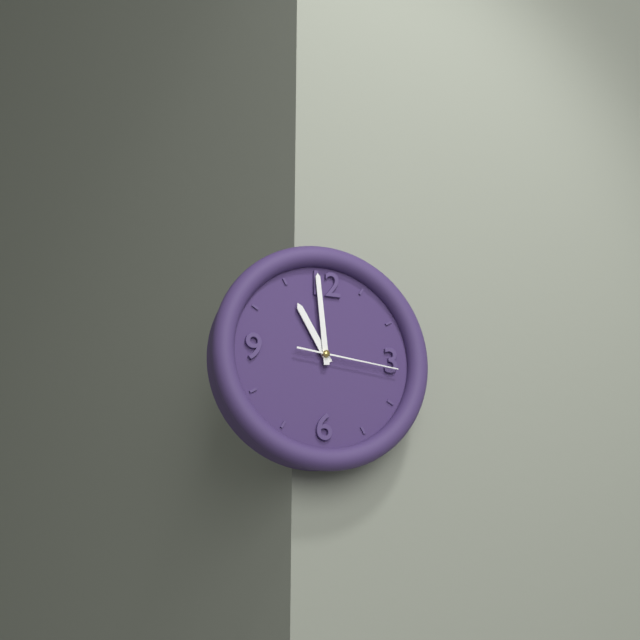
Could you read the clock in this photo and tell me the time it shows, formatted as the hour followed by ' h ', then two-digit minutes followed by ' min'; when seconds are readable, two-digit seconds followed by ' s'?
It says 10 h 59 min 16 s
